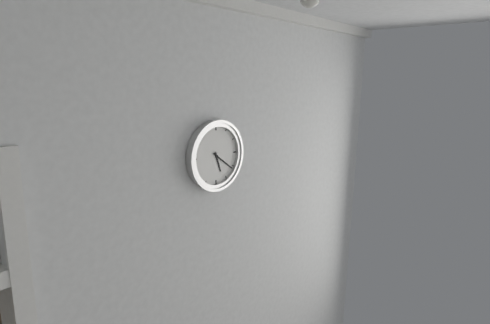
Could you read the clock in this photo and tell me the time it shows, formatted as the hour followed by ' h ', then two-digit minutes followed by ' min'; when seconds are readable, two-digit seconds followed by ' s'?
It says 5 h 21 min
